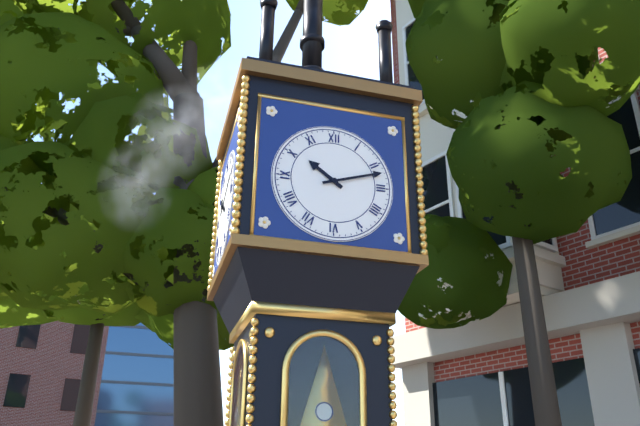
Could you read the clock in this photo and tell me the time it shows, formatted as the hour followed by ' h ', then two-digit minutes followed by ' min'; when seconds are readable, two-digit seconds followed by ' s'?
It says 10 h 12 min
